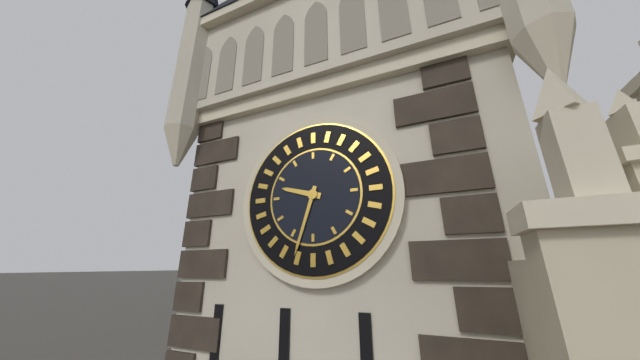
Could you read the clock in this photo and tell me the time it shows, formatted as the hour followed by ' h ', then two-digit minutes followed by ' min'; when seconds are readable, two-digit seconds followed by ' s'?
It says 9 h 33 min
